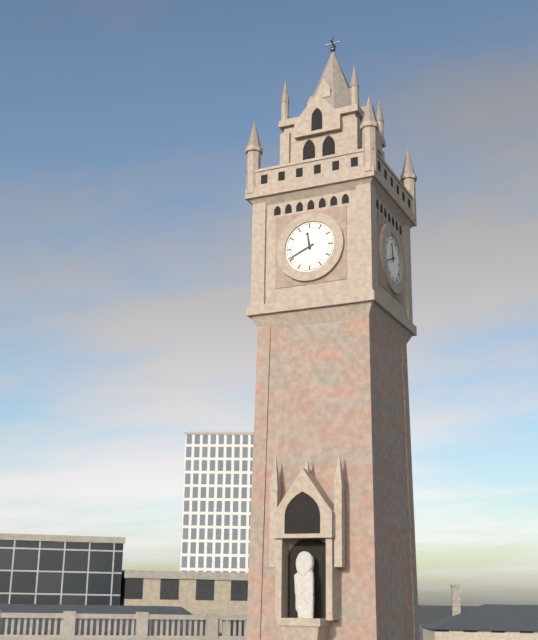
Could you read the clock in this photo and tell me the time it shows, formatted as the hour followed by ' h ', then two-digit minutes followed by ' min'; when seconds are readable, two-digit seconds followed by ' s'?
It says 11 h 41 min
